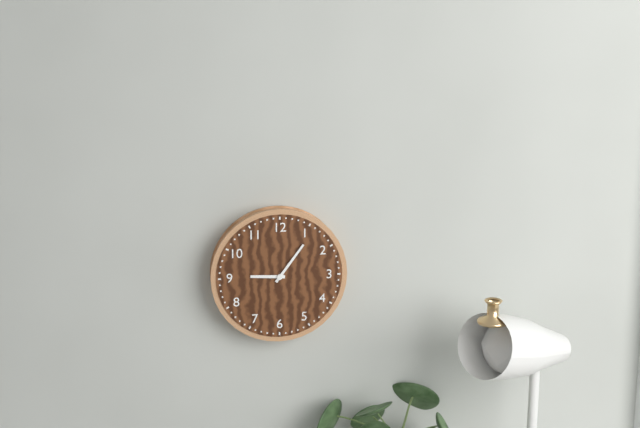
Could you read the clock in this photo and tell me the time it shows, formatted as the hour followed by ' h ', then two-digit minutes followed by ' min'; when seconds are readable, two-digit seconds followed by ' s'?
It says 9 h 06 min
